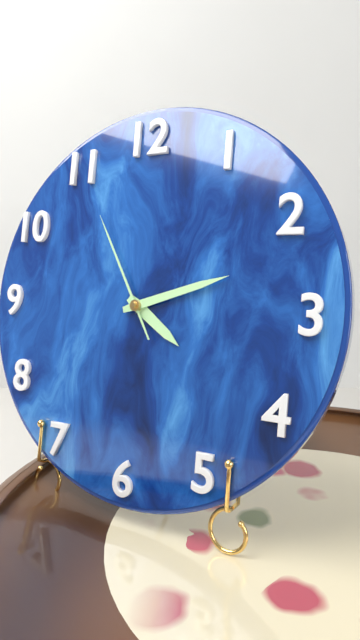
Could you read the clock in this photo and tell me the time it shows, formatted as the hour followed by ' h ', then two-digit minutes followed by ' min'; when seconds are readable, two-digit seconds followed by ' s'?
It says 4 h 12 min 55 s
